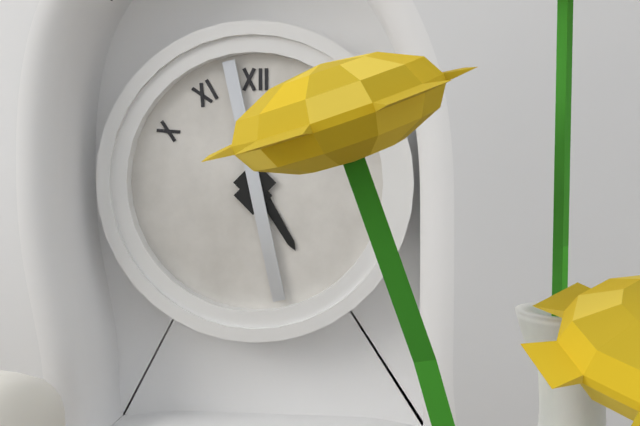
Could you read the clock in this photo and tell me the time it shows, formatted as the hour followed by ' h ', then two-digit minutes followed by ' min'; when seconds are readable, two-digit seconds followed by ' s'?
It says 4 h 58 min
